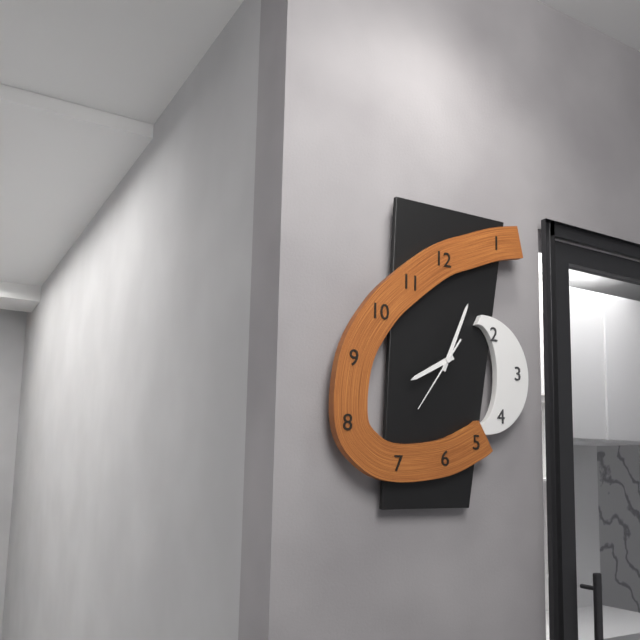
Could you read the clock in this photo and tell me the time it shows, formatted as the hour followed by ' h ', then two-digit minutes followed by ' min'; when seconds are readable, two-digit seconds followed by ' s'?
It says 8 h 04 min 36 s
